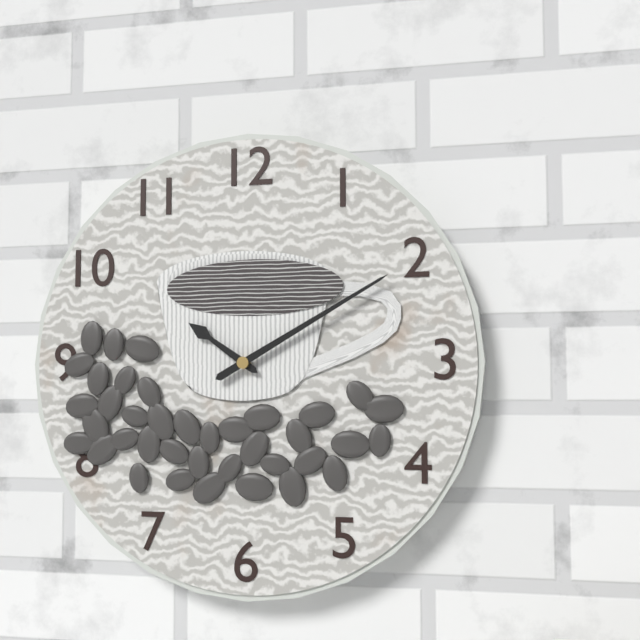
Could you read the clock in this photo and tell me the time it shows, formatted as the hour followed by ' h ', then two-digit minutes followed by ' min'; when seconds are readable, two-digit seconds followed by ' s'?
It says 10 h 10 min
